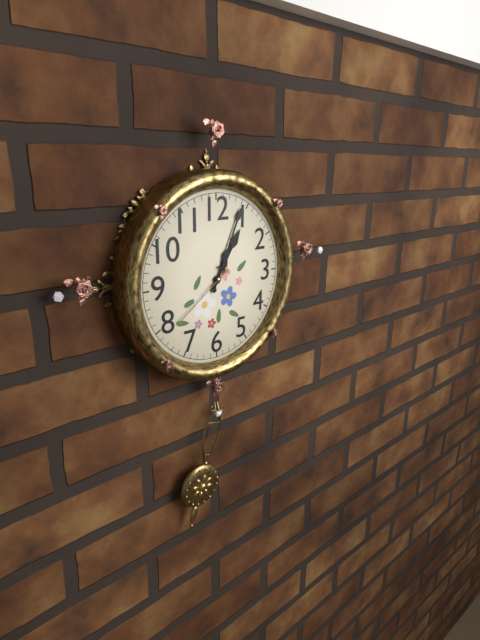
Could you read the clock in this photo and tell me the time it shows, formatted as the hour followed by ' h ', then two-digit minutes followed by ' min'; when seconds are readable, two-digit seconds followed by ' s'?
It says 1 h 04 min 39 s
